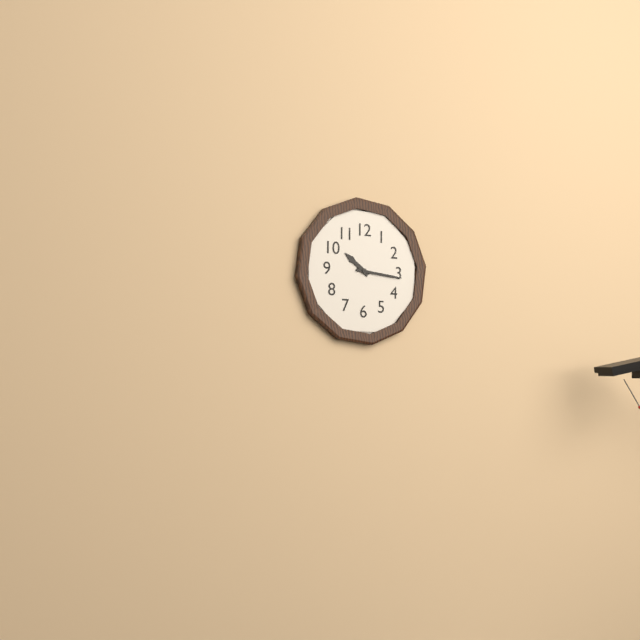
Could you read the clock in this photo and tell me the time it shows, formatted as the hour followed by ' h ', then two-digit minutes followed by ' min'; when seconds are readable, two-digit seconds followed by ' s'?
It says 10 h 16 min
